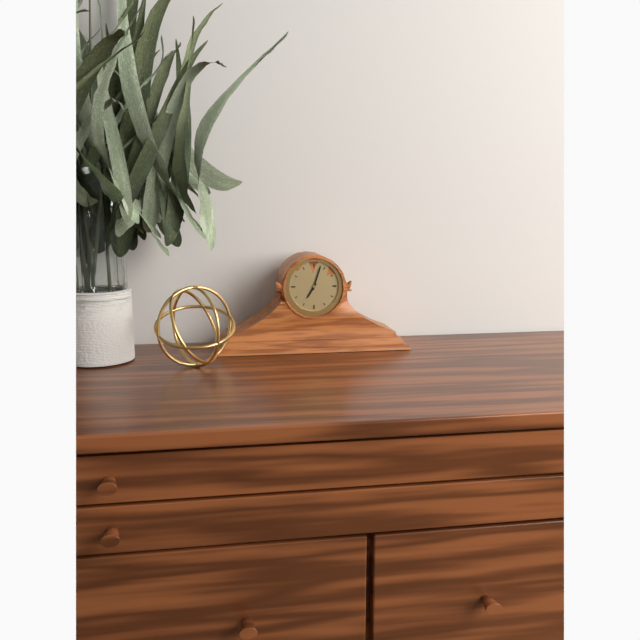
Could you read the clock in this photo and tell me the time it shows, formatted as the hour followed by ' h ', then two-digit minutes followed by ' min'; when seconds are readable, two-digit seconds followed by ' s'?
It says 7 h 03 min
